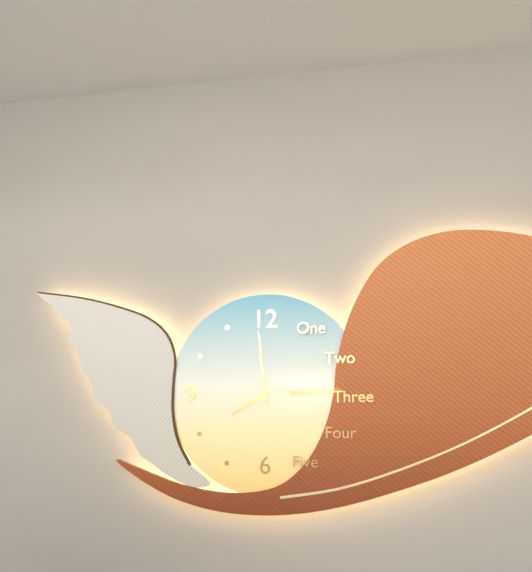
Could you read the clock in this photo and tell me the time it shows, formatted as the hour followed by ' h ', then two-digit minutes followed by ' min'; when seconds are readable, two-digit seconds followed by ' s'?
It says 7 h 59 min
